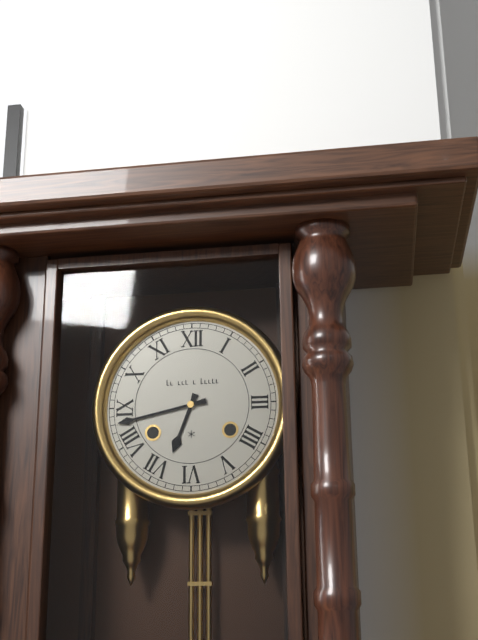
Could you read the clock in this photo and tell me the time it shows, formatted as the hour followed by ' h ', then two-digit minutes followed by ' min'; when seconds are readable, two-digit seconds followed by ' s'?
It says 6 h 43 min
